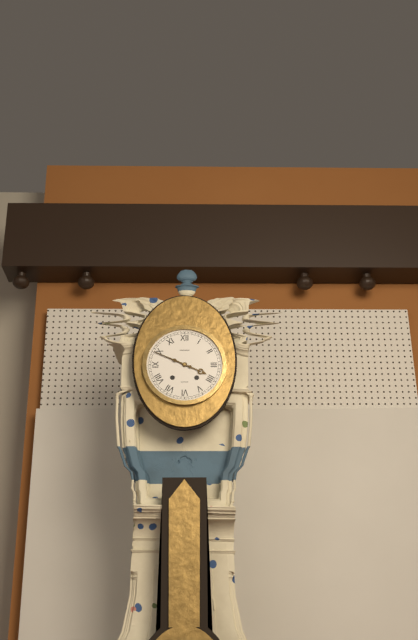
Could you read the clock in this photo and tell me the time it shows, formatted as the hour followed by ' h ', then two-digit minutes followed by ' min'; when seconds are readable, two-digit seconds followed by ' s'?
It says 3 h 49 min
